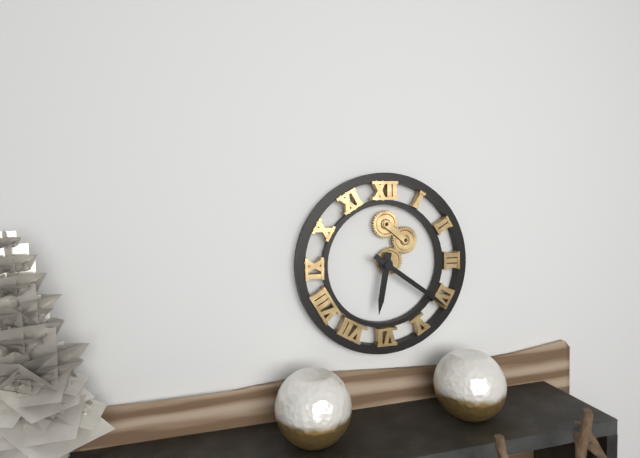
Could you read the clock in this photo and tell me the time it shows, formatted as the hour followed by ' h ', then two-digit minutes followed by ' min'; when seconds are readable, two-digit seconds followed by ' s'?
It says 6 h 21 min
